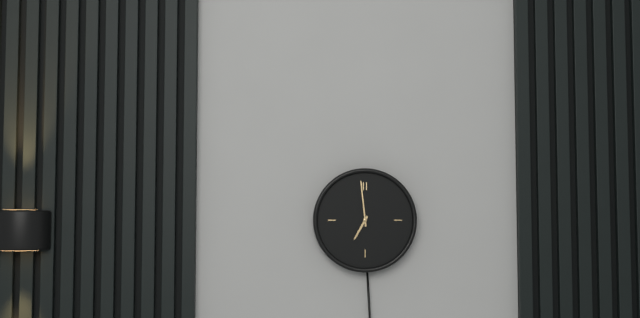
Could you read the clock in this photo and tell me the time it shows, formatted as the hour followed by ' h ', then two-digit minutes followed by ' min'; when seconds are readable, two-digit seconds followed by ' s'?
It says 6 h 59 min
